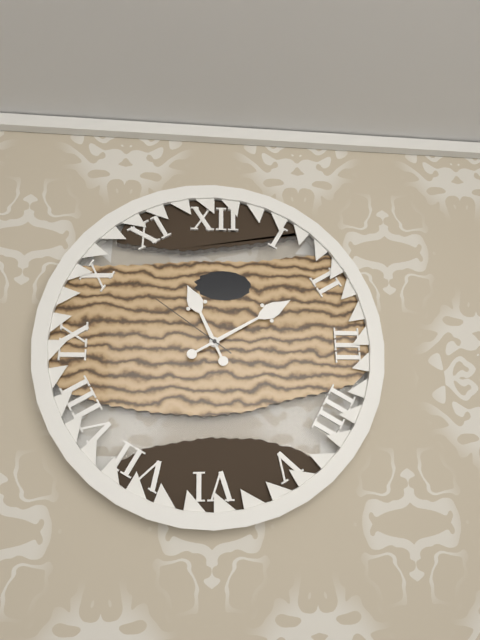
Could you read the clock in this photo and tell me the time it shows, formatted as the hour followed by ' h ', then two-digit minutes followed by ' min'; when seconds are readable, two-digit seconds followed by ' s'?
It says 11 h 10 min 51 s
